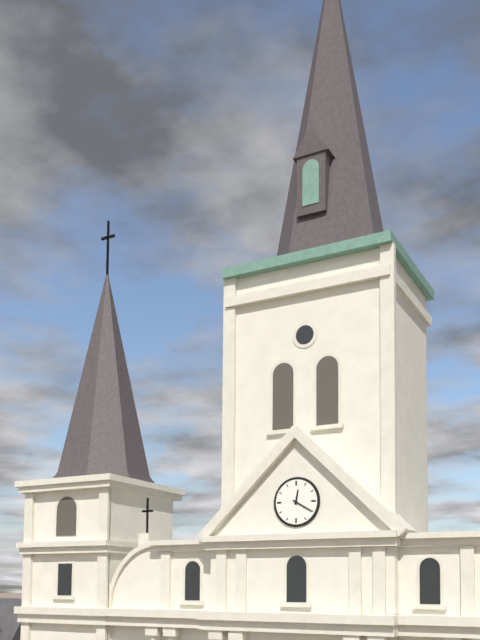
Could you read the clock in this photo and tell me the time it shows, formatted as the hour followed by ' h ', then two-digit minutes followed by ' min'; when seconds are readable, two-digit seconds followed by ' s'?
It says 12 h 20 min
